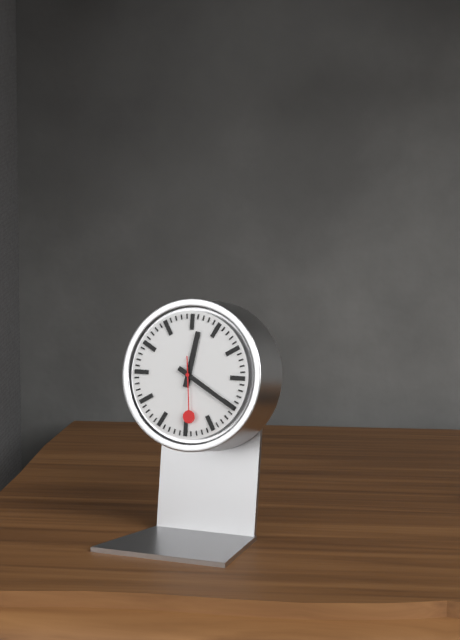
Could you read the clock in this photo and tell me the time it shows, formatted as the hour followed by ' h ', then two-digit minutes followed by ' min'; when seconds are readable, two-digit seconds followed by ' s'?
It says 12 h 20 min 29 s
